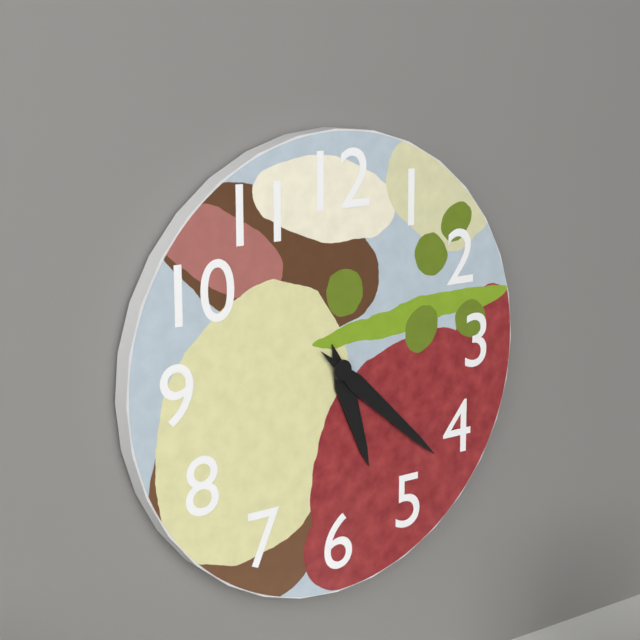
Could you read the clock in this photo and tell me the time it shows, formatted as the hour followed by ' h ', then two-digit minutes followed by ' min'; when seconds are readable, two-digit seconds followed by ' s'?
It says 5 h 22 min
